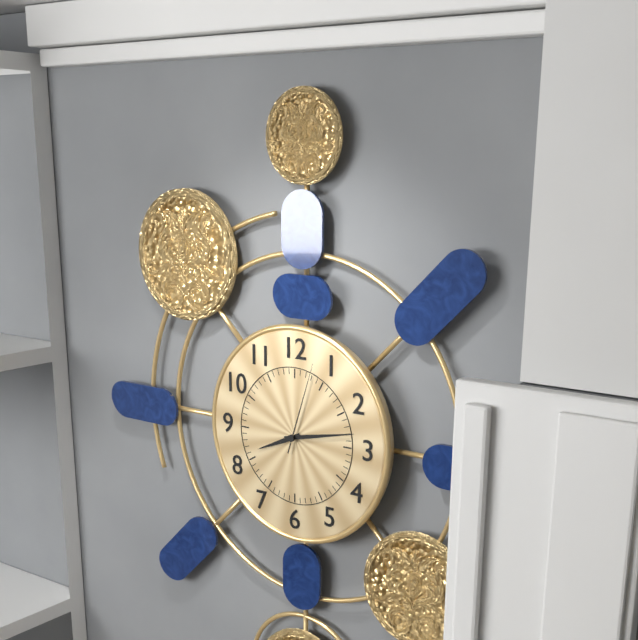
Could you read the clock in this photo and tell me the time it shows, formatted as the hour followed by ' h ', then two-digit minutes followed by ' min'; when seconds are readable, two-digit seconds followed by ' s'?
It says 8 h 13 min 03 s
